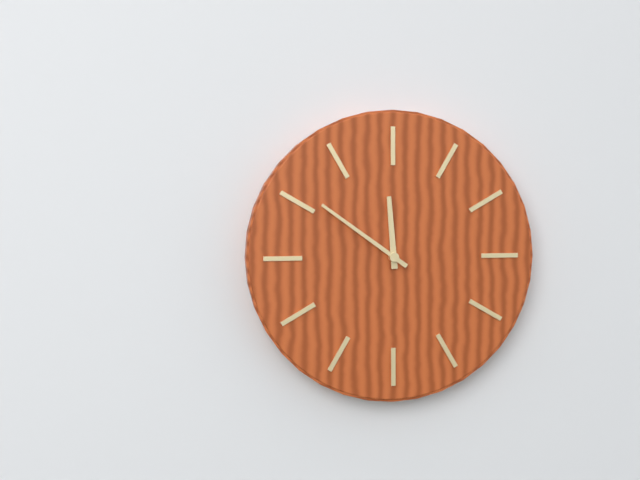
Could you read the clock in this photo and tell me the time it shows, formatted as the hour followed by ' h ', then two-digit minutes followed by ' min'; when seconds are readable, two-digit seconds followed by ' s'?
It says 11 h 51 min
